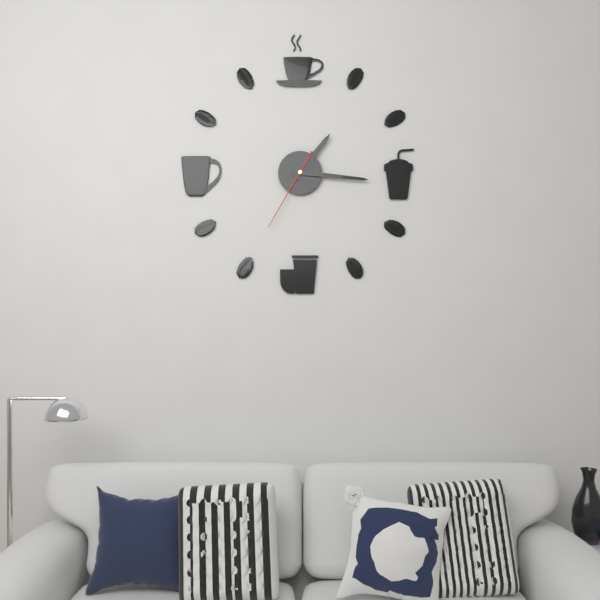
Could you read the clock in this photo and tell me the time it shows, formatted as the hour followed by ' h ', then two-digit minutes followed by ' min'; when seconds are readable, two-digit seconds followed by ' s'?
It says 1 h 16 min 35 s
